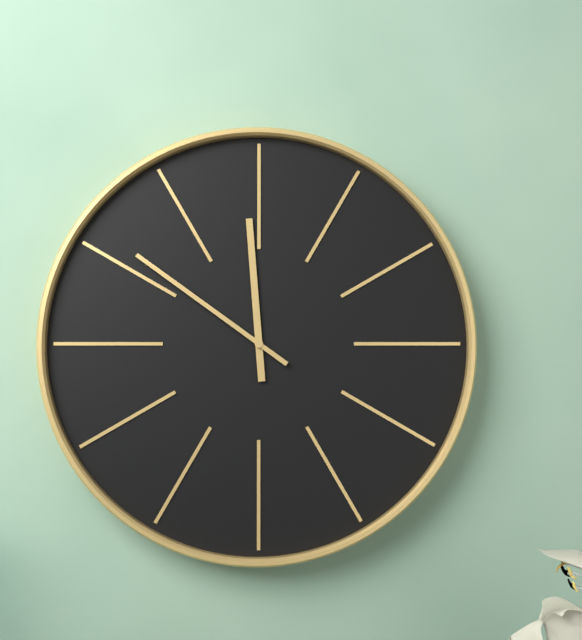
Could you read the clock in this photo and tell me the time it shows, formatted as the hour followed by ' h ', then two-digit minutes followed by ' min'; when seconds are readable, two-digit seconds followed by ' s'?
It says 11 h 51 min
